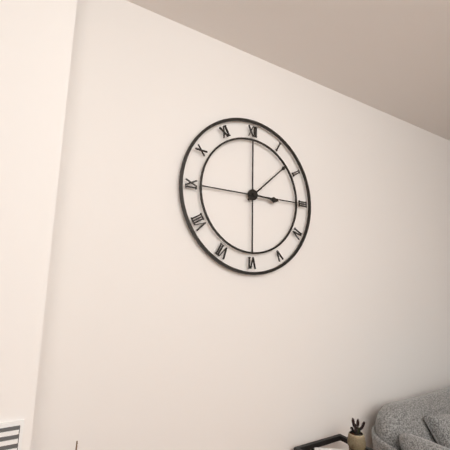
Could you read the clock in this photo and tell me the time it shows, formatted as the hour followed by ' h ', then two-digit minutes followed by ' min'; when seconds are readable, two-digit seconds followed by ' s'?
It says 3 h 08 min
